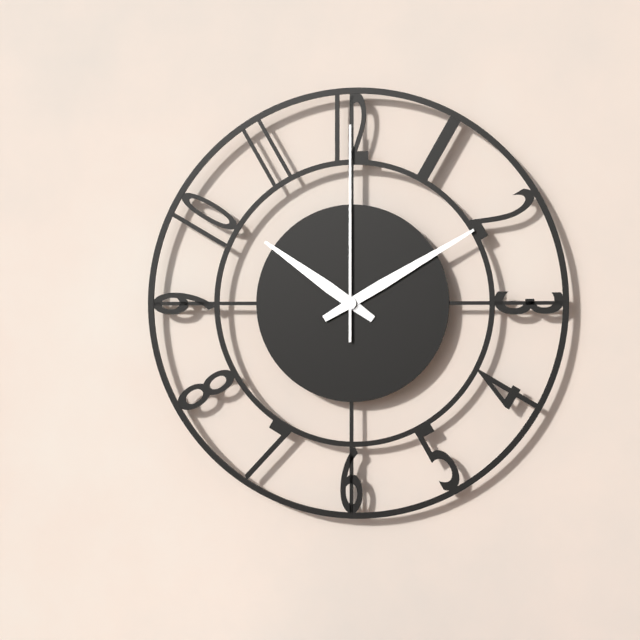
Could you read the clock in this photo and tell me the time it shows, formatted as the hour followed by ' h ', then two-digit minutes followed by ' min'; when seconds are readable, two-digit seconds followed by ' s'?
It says 10 h 10 min 00 s
